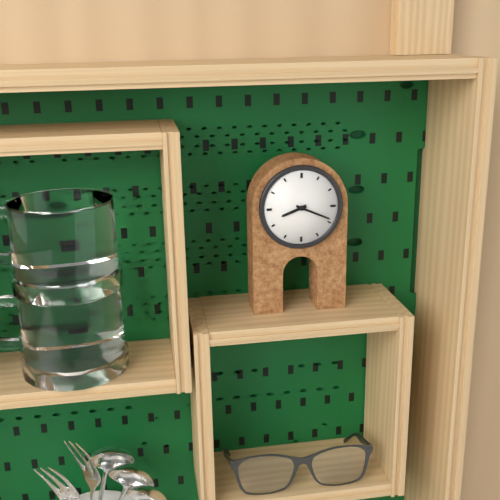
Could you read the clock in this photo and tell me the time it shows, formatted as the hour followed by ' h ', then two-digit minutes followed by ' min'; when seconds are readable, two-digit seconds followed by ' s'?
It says 8 h 19 min
